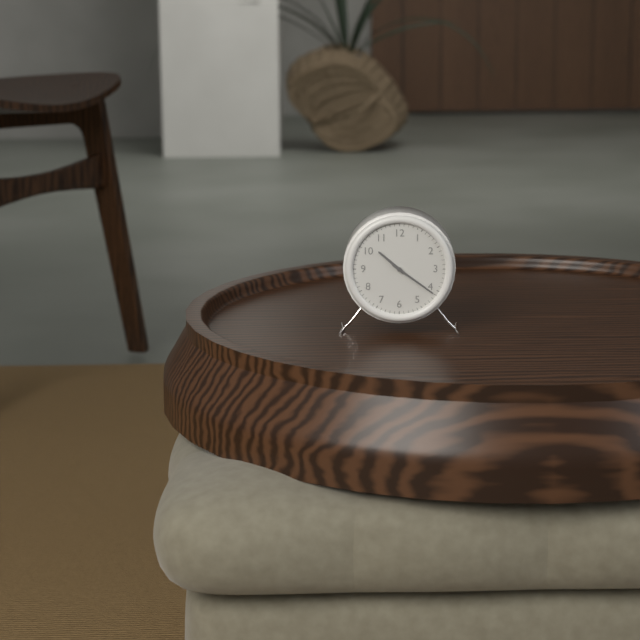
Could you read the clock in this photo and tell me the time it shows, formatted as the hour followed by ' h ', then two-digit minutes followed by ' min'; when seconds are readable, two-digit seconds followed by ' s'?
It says 10 h 21 min
